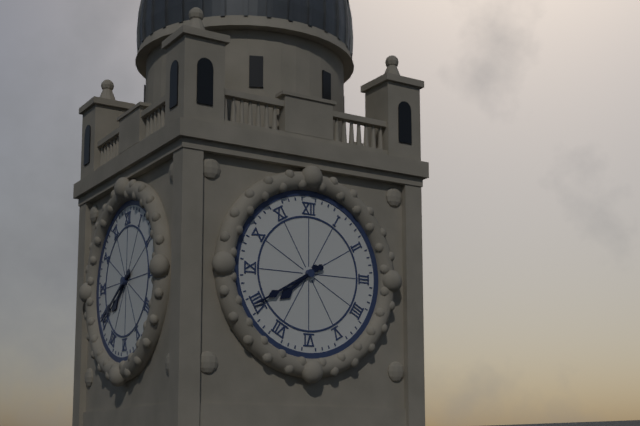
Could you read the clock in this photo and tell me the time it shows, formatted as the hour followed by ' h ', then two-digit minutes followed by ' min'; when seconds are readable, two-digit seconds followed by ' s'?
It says 7 h 40 min
